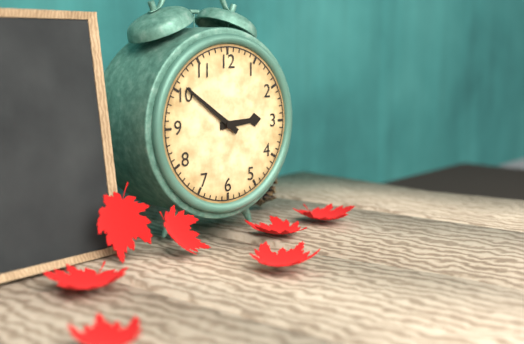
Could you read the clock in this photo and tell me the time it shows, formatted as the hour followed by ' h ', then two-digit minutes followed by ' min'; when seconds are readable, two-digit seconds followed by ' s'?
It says 2 h 51 min
